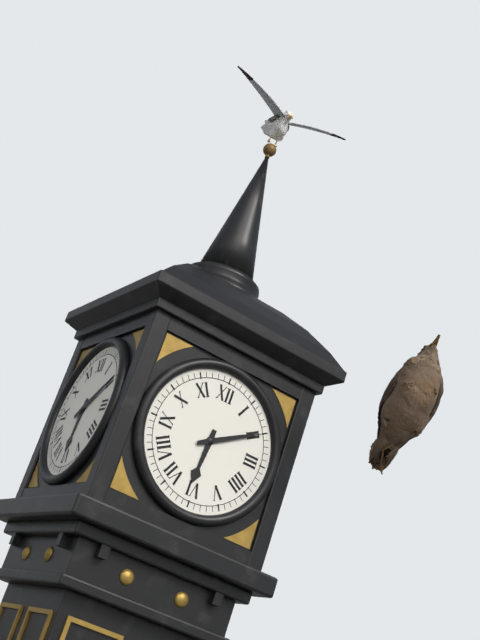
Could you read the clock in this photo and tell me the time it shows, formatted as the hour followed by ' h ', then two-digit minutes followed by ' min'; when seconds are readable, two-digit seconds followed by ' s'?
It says 6 h 10 min
